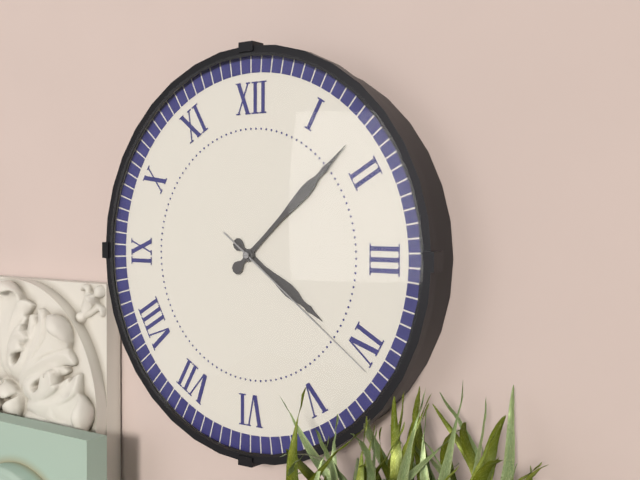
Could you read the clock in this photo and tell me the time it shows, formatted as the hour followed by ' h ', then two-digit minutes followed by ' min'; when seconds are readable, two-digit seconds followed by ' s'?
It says 4 h 08 min 21 s
